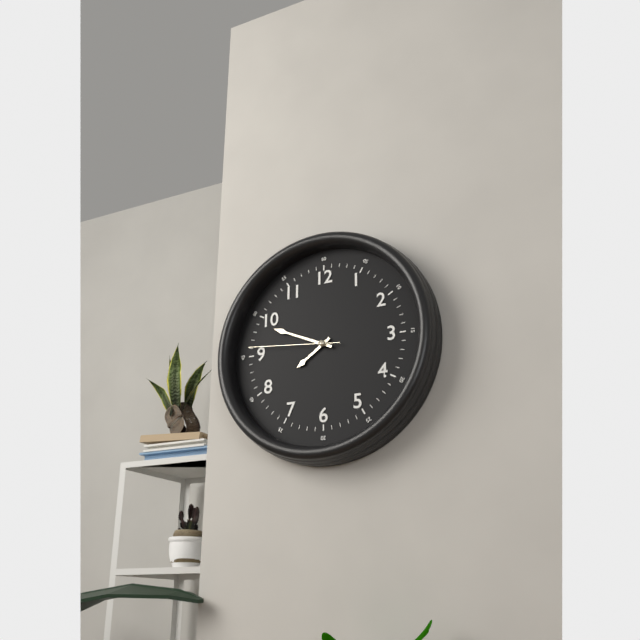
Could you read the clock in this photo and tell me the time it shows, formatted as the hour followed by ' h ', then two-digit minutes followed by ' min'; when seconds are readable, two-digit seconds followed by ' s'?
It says 7 h 49 min 46 s
